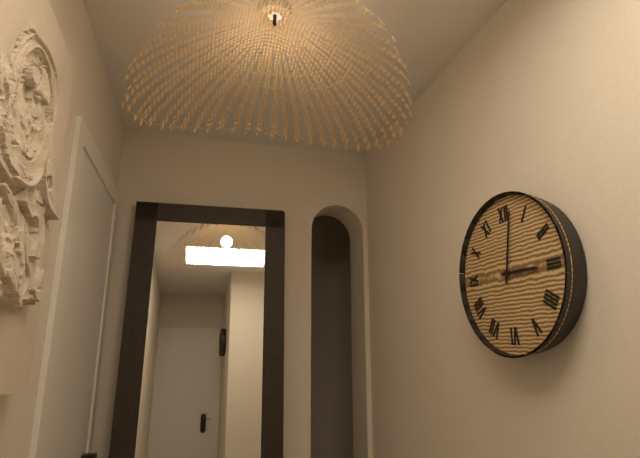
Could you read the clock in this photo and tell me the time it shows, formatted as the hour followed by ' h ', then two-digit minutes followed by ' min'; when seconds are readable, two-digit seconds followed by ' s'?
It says 3 h 02 min
